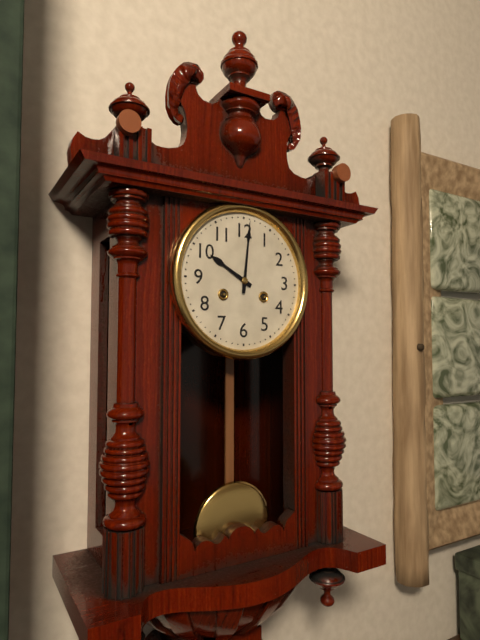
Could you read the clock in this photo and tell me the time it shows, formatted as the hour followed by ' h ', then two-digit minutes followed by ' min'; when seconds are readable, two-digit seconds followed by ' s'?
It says 10 h 01 min
